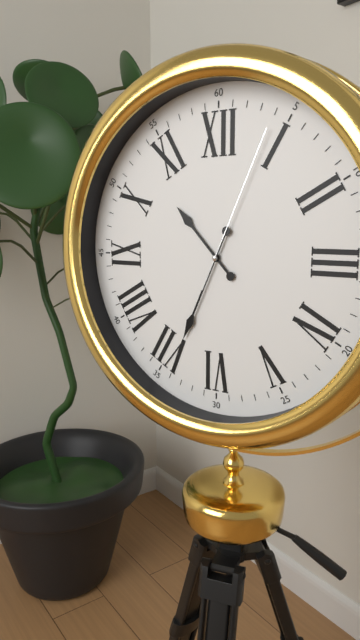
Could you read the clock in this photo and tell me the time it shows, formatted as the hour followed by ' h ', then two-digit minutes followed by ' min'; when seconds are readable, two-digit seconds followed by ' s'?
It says 10 h 34 min 04 s
